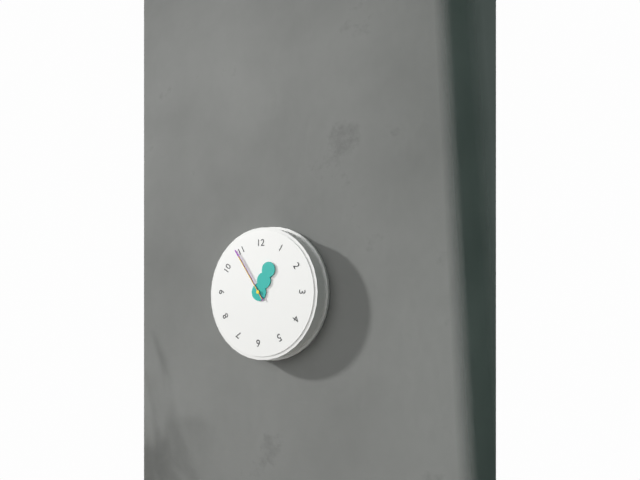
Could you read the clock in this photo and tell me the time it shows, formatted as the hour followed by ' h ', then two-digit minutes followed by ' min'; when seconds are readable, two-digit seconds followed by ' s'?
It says 12 h 54 min 54 s
